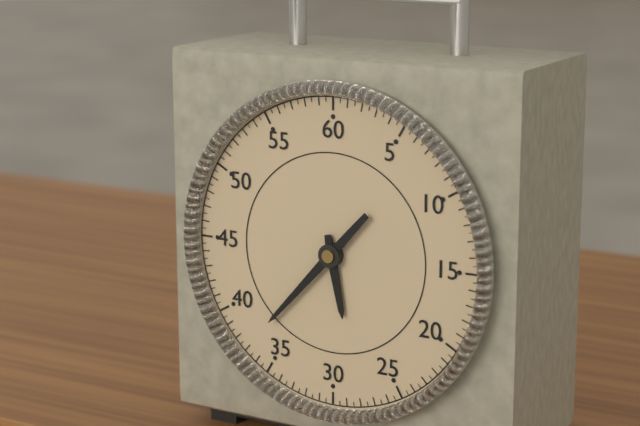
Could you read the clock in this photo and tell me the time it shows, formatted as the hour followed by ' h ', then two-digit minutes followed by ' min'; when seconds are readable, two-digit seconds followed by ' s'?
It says 5 h 37 min
